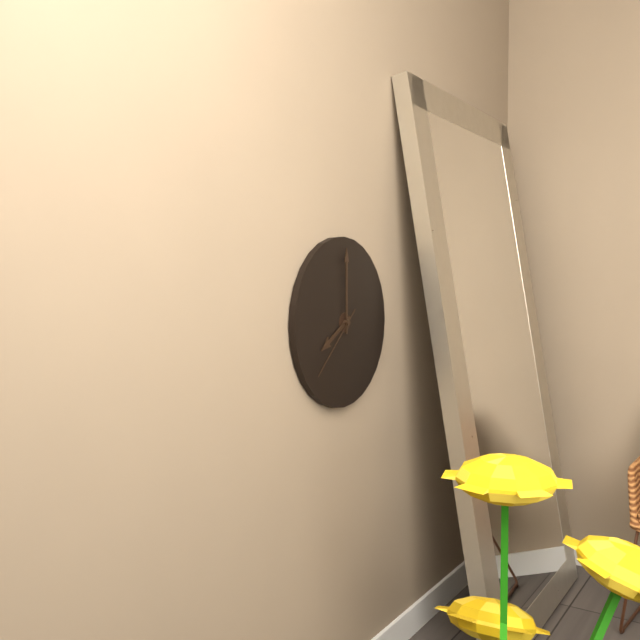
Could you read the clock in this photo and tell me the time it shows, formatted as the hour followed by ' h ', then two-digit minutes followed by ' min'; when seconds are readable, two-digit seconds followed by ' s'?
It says 8 h 00 min 38 s
